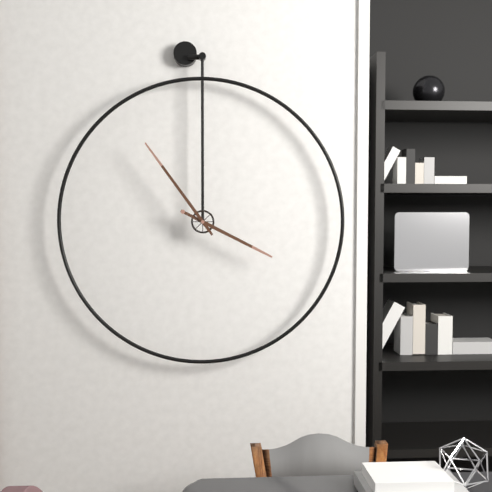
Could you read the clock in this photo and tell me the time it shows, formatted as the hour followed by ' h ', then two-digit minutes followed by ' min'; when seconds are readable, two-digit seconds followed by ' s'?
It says 3 h 54 min
